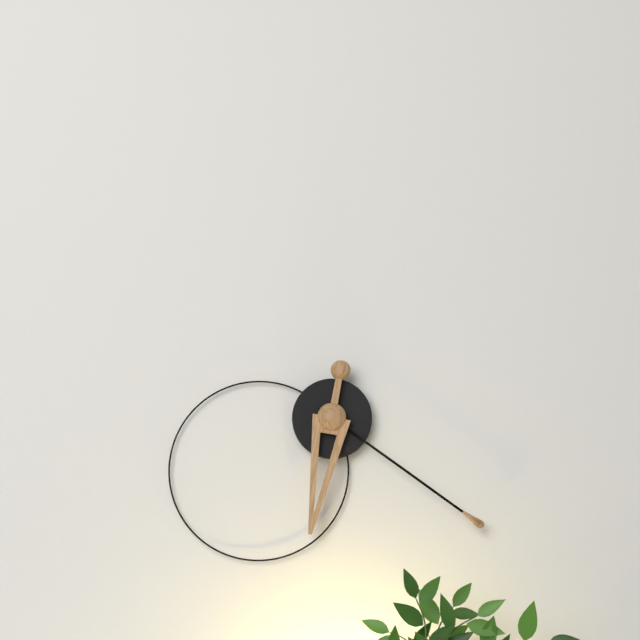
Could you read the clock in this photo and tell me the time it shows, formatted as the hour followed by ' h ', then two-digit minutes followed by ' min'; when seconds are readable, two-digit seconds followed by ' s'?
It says 6 h 21 min
